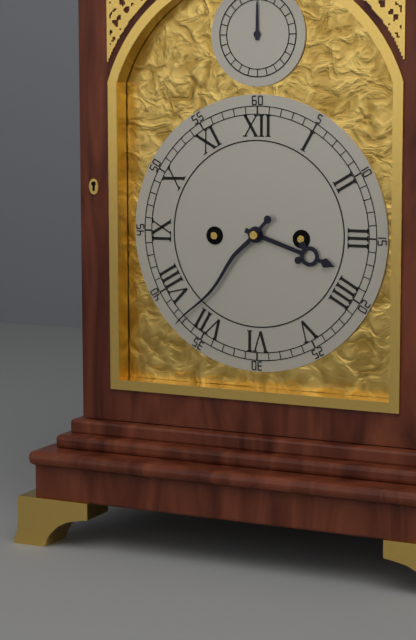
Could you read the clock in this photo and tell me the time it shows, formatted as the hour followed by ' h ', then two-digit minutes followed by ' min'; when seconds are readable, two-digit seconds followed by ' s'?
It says 3 h 37 min
